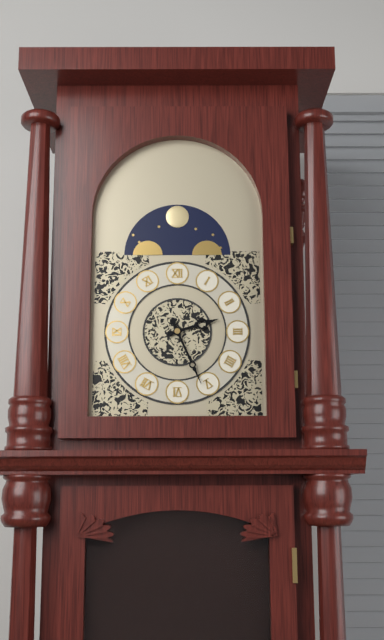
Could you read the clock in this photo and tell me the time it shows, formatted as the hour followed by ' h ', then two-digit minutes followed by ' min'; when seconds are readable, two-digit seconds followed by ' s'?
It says 2 h 26 min
